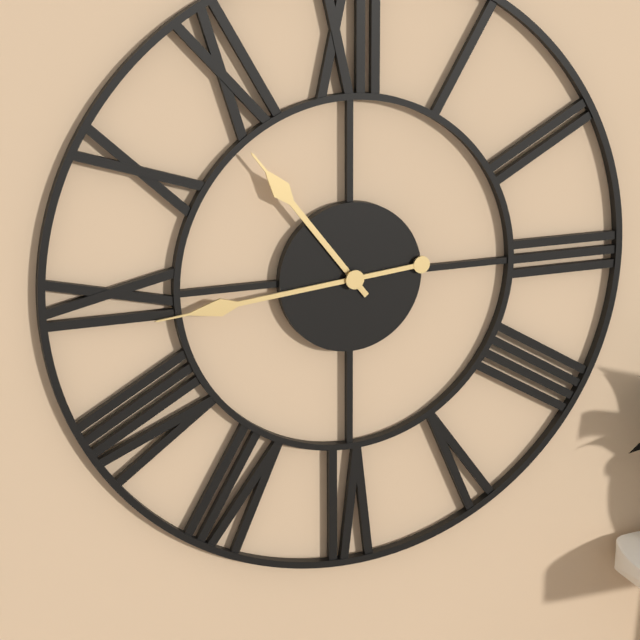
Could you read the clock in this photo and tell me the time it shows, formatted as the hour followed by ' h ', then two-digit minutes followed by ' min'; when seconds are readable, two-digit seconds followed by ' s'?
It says 10 h 44 min
